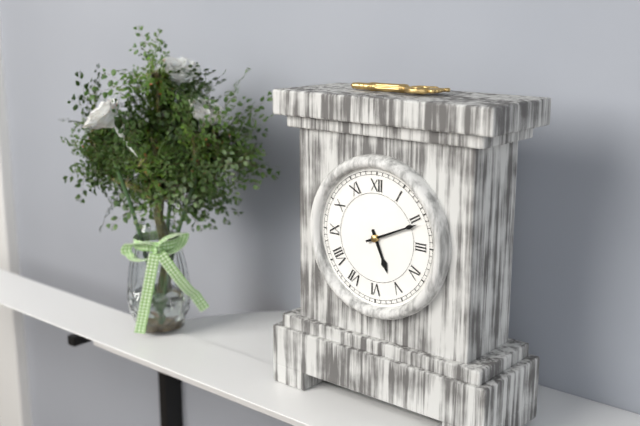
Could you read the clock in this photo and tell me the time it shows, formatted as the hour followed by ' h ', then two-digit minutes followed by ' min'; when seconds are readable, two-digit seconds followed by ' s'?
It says 5 h 11 min
